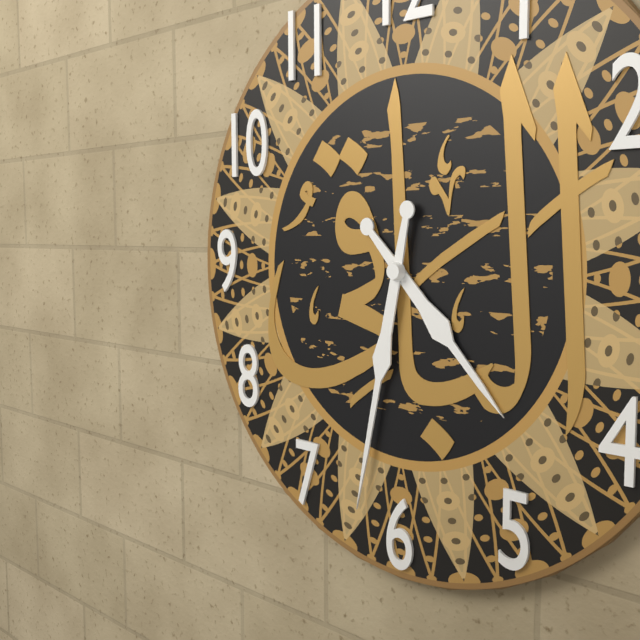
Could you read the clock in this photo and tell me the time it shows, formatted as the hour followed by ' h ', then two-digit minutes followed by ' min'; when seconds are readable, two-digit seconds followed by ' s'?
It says 4 h 32 min
